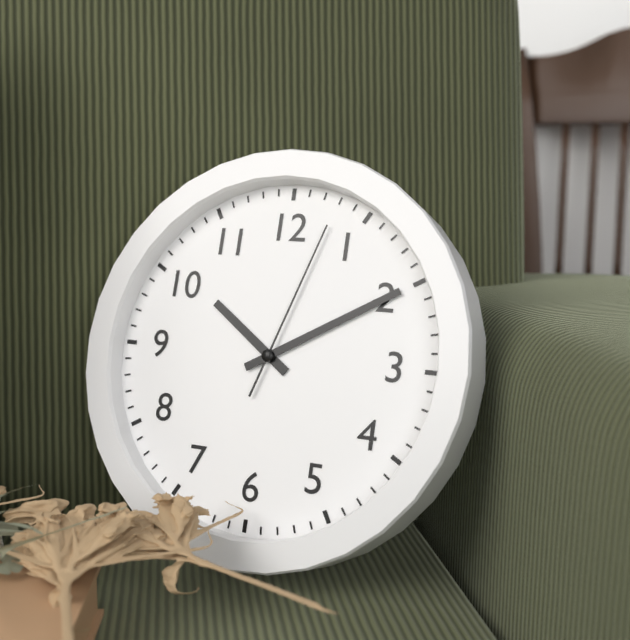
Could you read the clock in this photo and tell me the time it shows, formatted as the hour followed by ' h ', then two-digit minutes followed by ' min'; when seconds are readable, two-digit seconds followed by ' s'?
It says 10 h 10 min 03 s
